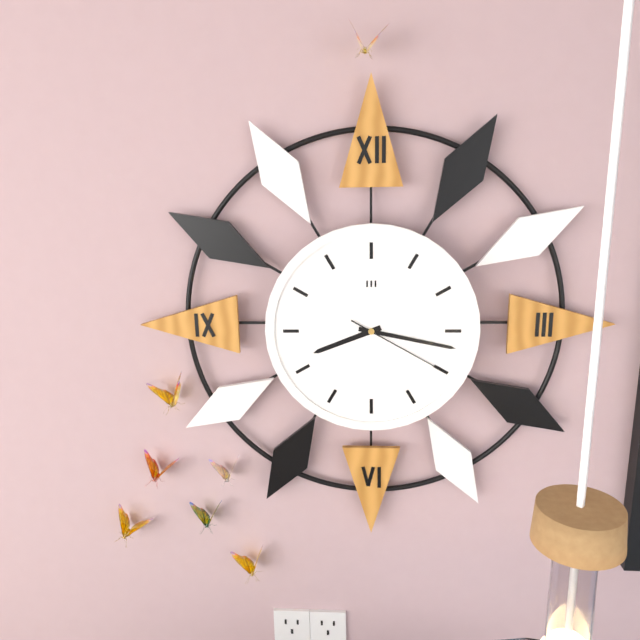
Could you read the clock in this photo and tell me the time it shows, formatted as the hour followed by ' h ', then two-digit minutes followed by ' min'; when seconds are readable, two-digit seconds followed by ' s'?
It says 8 h 17 min 20 s
